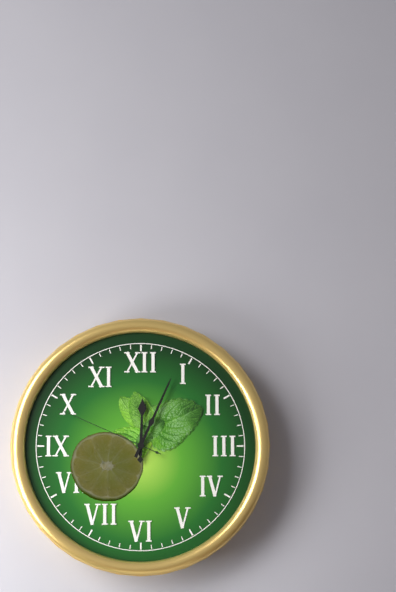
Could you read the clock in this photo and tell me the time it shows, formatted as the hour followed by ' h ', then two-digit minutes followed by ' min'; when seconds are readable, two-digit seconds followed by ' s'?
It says 12 h 04 min 49 s
